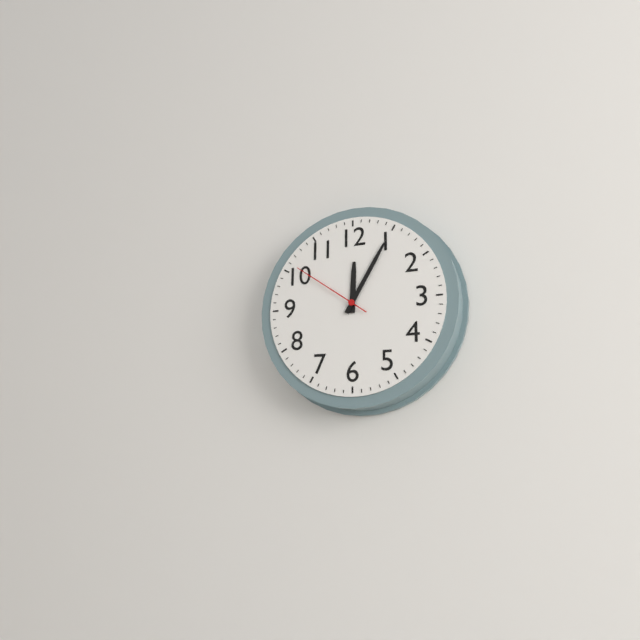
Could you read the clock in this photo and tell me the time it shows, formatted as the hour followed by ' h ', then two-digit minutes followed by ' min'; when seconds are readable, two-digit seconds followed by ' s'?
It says 12 h 05 min 51 s
